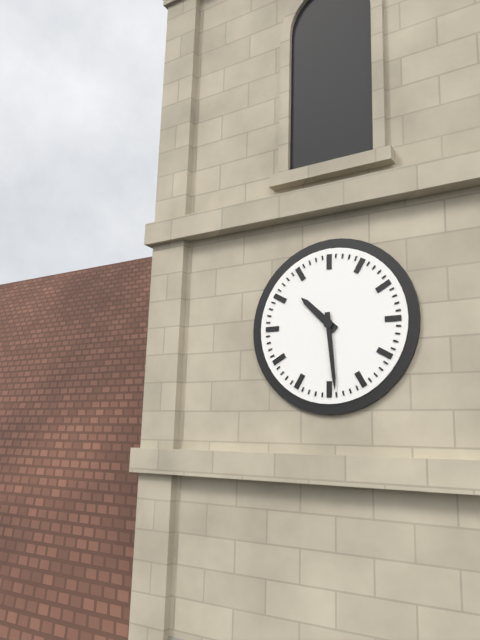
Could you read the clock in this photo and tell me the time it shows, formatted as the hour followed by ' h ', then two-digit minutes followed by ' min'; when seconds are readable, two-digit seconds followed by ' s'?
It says 10 h 29 min
